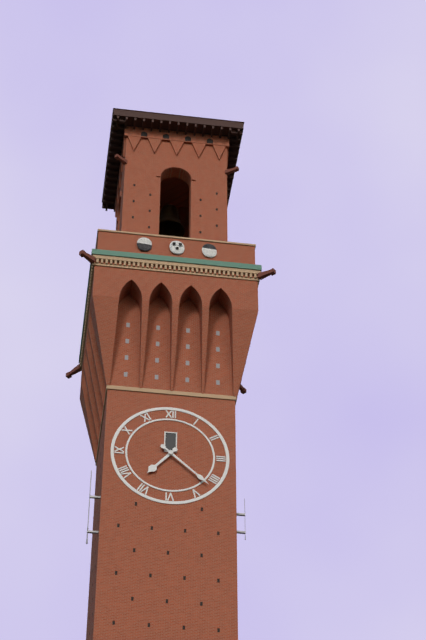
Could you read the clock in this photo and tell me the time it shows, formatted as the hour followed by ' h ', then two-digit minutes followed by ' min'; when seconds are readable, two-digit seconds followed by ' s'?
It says 7 h 22 min
